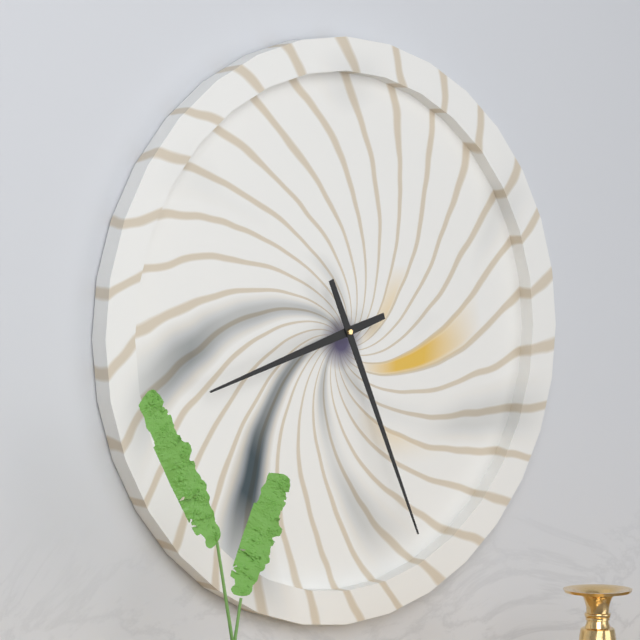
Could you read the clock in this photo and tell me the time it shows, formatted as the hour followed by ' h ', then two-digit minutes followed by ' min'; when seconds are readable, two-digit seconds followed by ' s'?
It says 8 h 26 min
